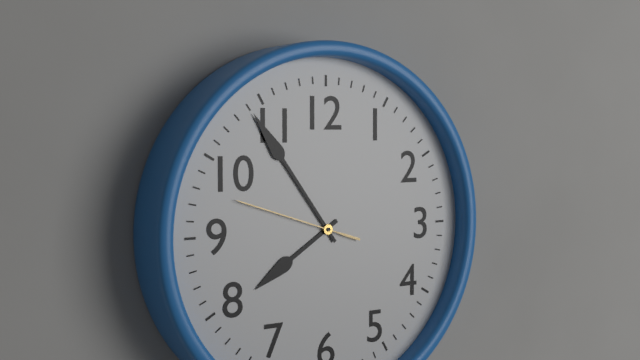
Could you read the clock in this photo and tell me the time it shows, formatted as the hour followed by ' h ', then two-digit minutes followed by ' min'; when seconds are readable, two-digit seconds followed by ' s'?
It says 7 h 54 min 48 s
